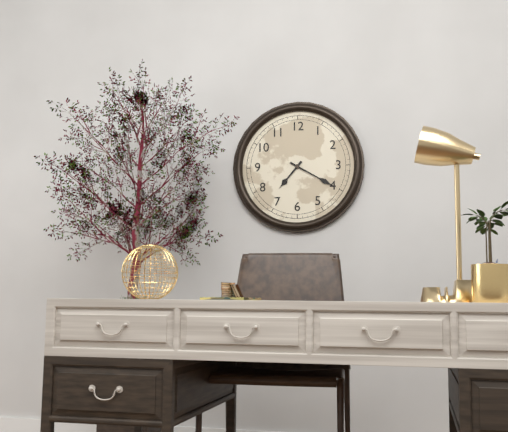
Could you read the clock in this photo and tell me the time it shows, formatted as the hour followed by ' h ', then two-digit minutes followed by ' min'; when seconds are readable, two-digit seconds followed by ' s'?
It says 7 h 20 min
